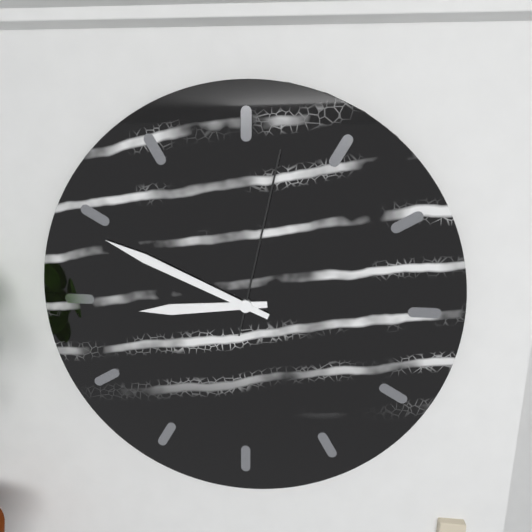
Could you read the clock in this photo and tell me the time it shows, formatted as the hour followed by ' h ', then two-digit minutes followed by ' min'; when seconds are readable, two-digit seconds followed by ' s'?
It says 8 h 49 min 02 s
